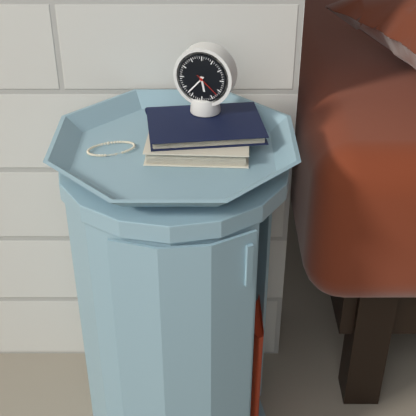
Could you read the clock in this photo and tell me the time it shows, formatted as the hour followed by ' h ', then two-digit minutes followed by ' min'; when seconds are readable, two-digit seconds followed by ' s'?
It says 5 h 37 min
